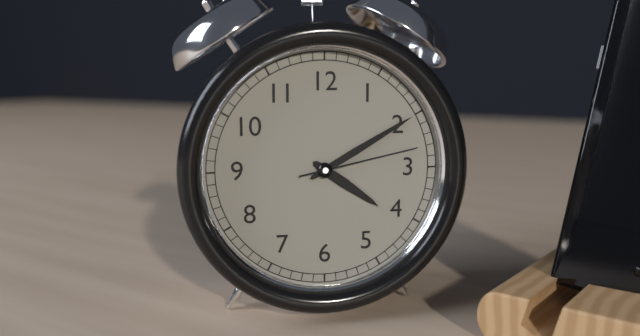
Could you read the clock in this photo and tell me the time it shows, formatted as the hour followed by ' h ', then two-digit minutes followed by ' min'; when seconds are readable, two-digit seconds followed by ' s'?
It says 4 h 10 min 13 s
